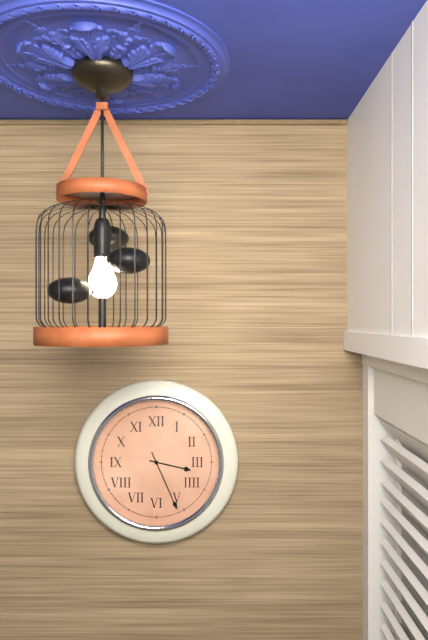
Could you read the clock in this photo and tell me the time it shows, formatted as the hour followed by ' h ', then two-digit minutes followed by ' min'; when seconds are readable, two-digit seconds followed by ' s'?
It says 3 h 26 min
